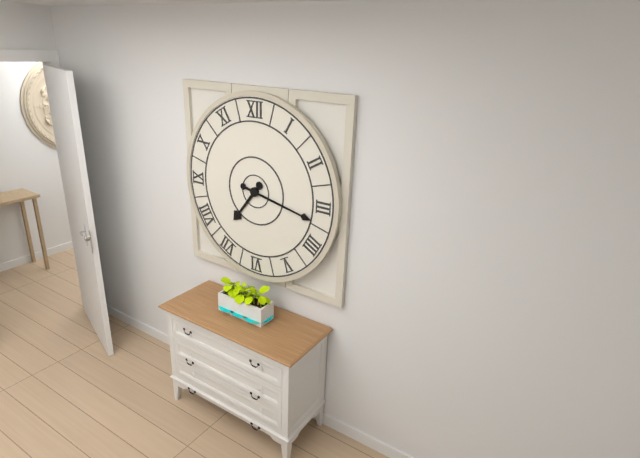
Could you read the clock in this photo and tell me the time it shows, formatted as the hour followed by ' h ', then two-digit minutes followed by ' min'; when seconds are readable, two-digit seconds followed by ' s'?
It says 7 h 17 min
